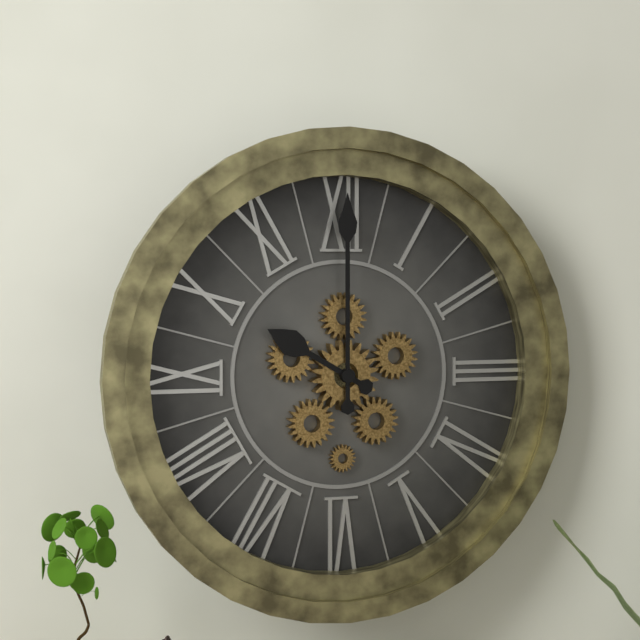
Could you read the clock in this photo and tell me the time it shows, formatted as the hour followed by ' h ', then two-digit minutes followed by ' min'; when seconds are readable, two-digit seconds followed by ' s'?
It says 10 h 00 min
